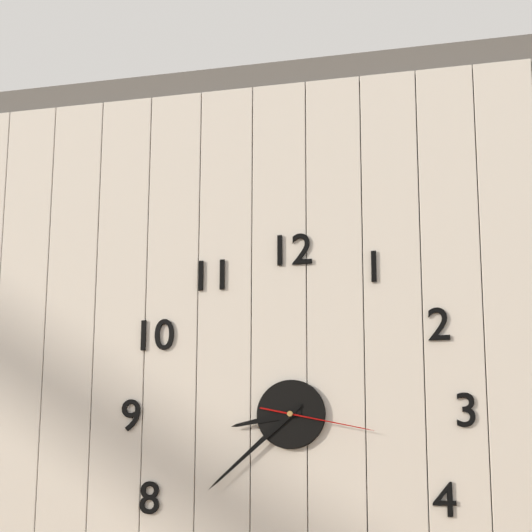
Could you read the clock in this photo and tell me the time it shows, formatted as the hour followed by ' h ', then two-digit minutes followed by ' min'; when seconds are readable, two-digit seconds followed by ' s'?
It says 8 h 38 min 17 s
